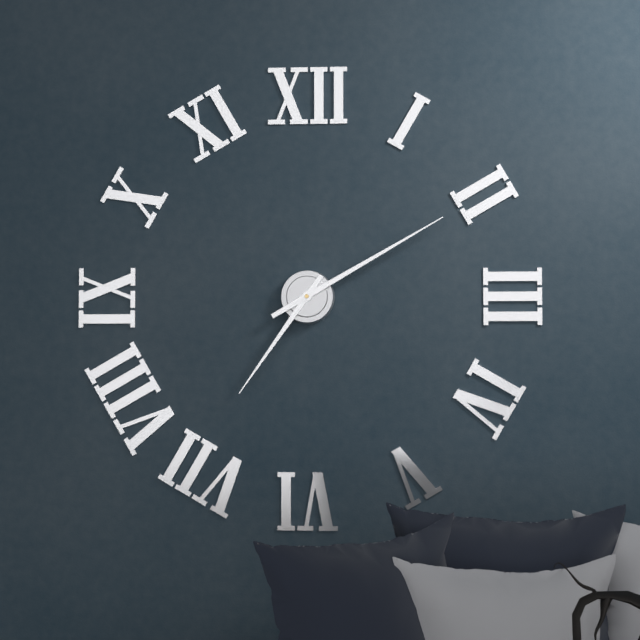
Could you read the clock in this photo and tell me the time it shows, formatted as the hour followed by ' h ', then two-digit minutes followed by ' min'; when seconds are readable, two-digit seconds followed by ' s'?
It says 7 h 10 min
